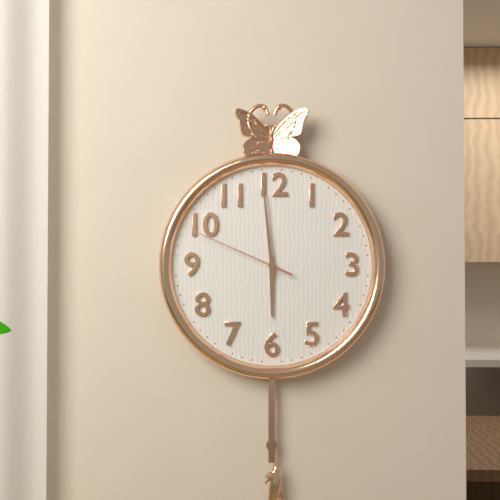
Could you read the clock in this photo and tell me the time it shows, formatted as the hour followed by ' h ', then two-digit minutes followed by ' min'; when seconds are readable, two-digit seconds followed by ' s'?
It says 5 h 59 min 49 s
